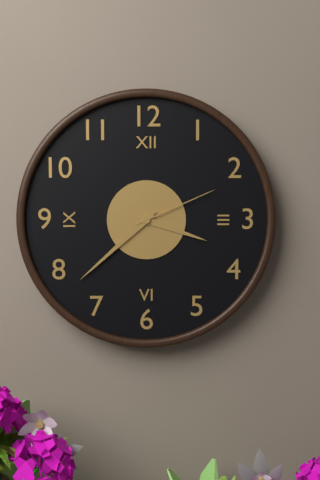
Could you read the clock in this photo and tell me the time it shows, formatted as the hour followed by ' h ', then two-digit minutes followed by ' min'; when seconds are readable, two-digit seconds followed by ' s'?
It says 3 h 38 min 11 s
